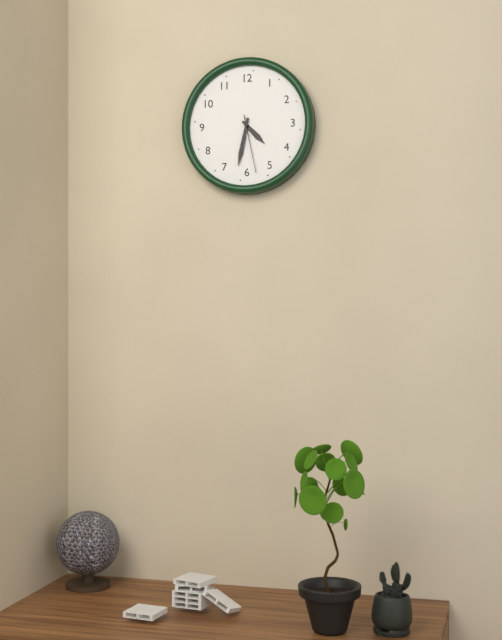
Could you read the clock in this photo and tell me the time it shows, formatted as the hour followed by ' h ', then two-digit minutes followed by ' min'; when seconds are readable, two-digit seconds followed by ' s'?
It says 4 h 32 min 28 s
